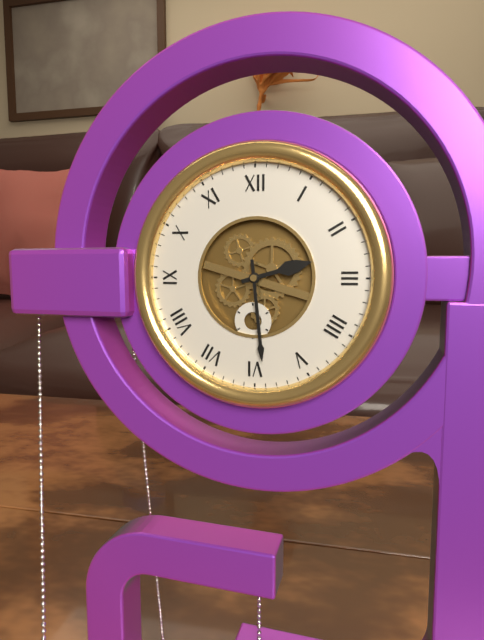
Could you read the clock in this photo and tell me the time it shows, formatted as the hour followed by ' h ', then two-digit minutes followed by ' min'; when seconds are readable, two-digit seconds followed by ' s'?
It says 2 h 29 min
